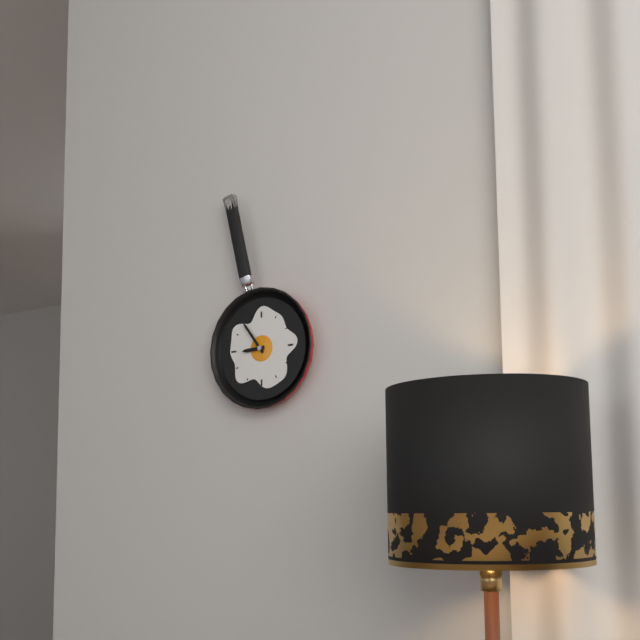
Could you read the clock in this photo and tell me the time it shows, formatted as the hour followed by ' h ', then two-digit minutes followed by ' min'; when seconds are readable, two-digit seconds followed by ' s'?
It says 8 h 54 min
